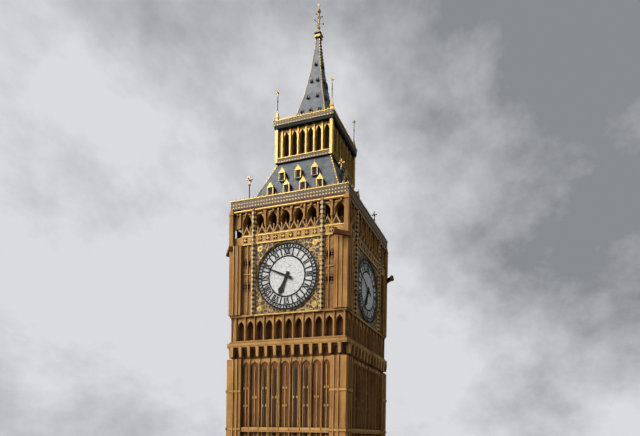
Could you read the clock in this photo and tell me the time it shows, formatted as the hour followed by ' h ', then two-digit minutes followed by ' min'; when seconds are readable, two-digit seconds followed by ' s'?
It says 6 h 49 min
